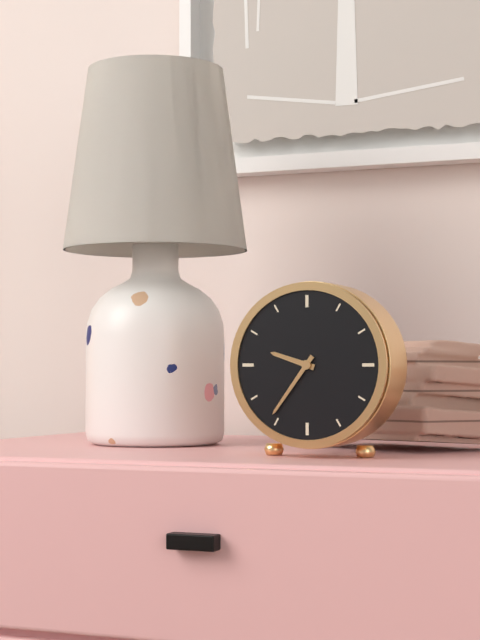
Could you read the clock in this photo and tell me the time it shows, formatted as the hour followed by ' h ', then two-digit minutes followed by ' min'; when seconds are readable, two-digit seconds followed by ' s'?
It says 9 h 36 min
